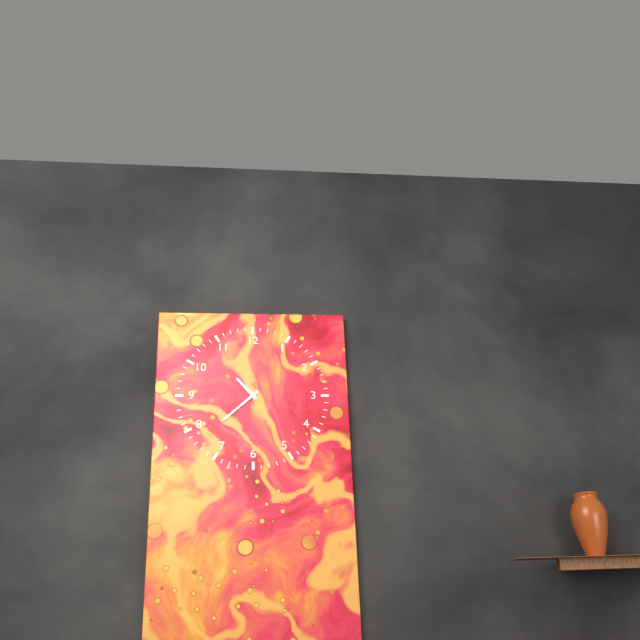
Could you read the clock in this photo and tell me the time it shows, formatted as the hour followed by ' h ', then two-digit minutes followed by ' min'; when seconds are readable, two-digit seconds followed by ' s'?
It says 10 h 38 min
